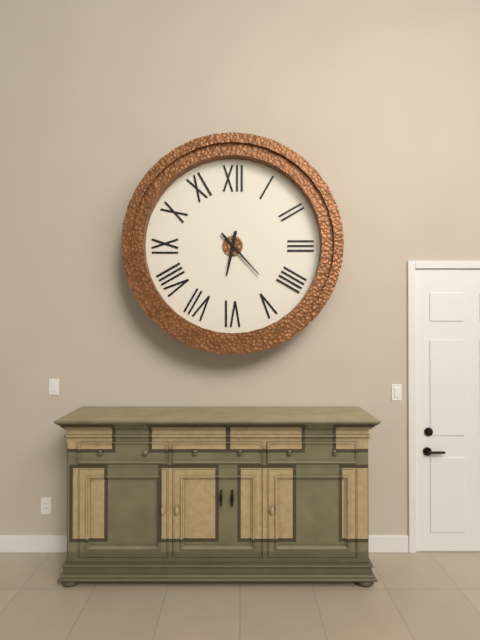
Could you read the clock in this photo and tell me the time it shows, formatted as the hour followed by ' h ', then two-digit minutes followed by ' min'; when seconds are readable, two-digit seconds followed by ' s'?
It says 6 h 23 min
